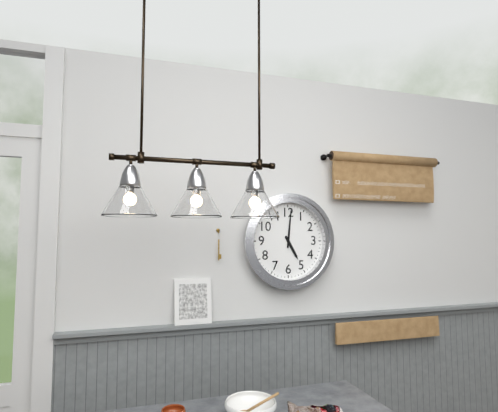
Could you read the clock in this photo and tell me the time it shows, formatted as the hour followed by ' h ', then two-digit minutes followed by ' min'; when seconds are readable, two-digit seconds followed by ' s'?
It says 5 h 01 min
